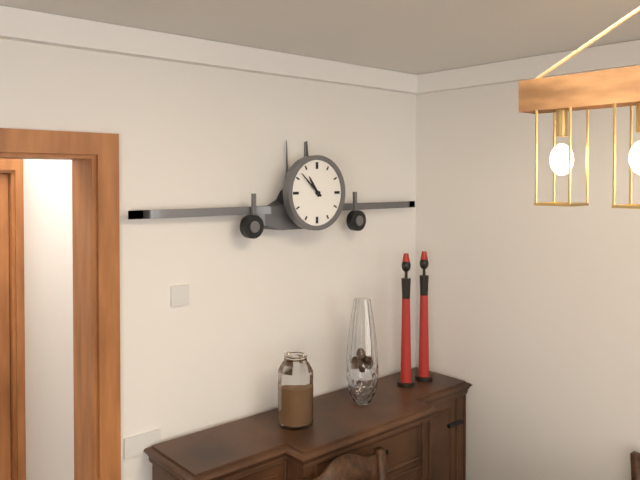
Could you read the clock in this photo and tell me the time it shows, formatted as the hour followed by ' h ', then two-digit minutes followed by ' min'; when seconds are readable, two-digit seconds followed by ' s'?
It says 10 h 52 min
